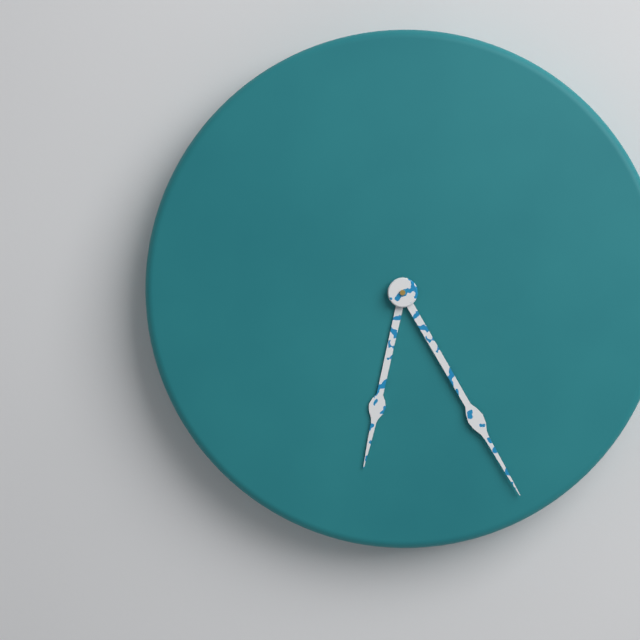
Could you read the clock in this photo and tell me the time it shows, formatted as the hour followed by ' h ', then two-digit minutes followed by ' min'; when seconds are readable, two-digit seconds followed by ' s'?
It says 6 h 25 min
